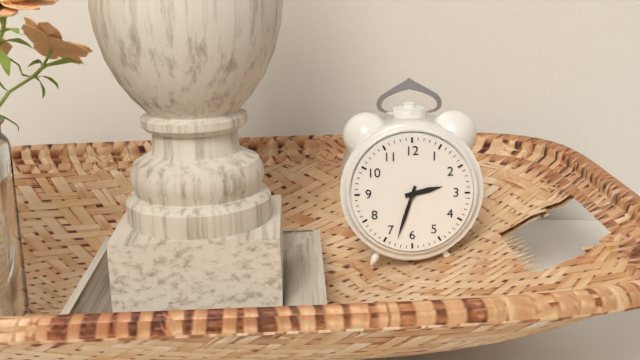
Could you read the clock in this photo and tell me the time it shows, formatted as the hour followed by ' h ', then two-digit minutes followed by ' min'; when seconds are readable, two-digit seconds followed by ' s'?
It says 2 h 33 min
